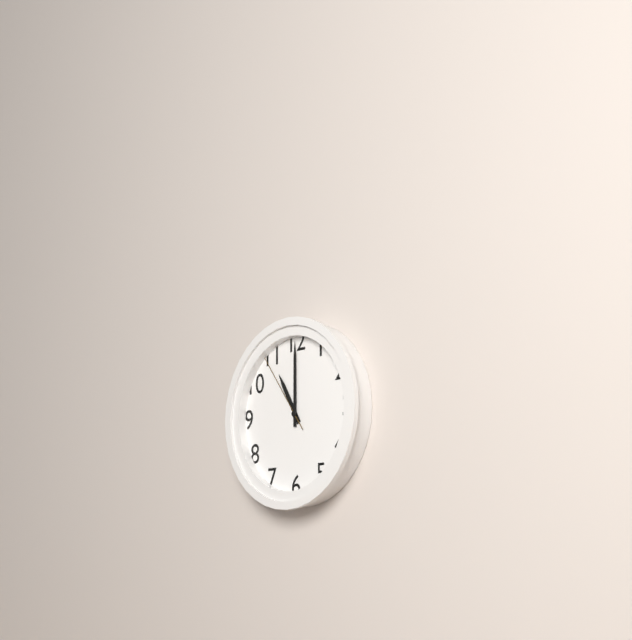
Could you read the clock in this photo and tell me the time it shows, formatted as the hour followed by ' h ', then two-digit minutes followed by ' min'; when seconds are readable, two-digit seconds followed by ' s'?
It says 11 h 00 min 54 s
